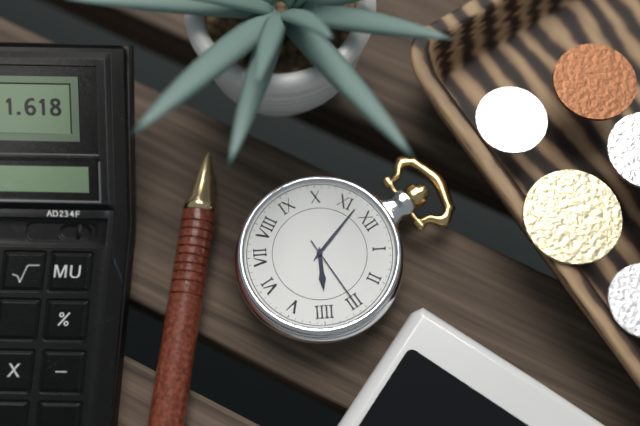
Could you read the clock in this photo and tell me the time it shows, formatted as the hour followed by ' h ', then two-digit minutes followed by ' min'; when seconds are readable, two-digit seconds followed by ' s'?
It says 3 h 57 min 15 s
